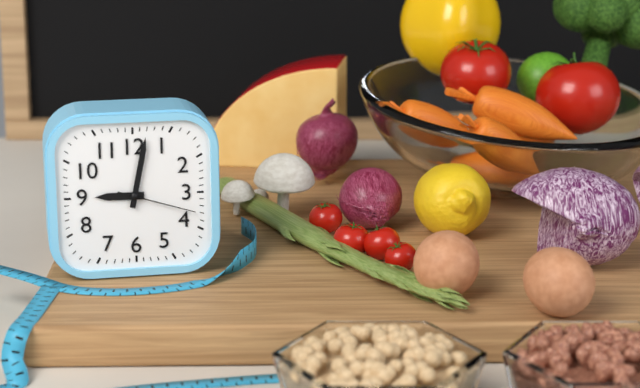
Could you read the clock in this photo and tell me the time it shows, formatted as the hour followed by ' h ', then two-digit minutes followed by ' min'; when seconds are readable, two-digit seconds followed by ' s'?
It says 9 h 02 min 18 s
